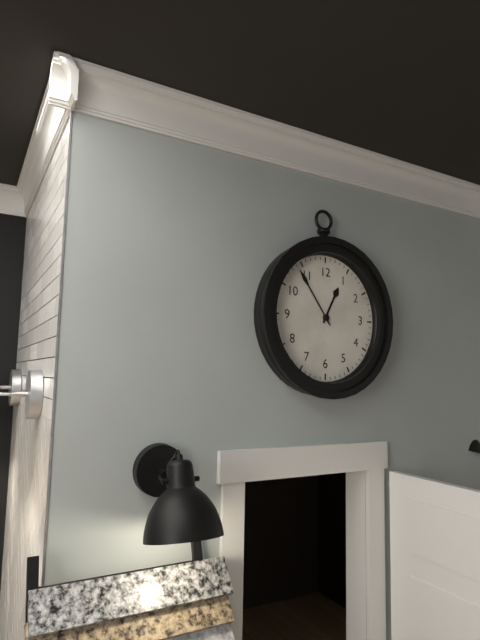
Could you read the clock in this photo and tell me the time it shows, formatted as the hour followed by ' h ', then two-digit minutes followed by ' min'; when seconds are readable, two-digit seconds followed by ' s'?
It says 12 h 54 min
